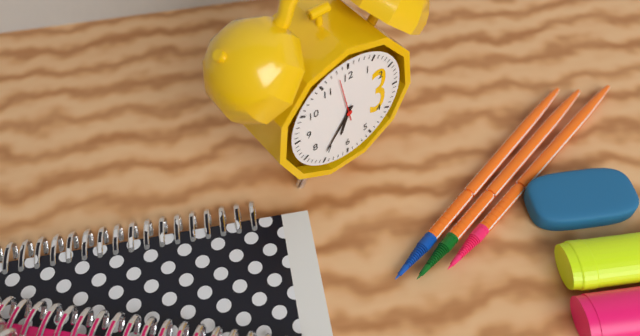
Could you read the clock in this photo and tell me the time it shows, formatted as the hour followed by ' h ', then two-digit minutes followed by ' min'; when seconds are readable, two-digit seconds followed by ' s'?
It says 6 h 36 min
